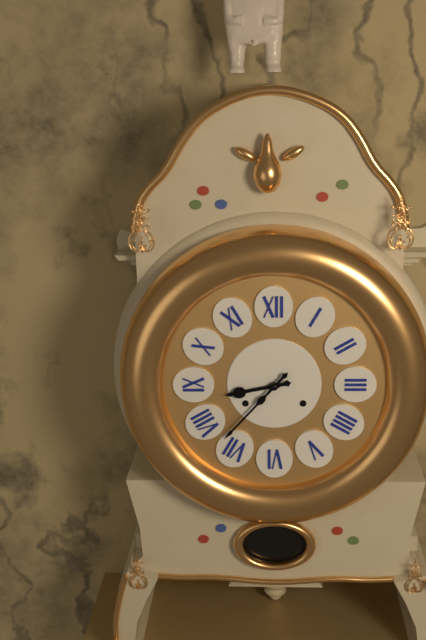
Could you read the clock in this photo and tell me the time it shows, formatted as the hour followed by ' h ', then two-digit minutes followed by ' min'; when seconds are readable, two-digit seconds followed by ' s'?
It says 8 h 37 min
